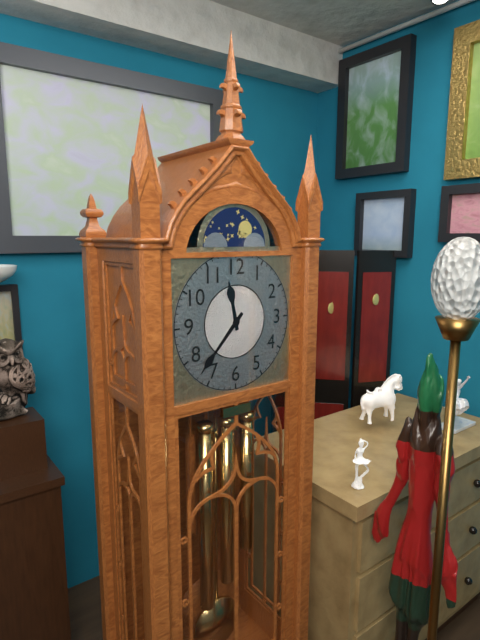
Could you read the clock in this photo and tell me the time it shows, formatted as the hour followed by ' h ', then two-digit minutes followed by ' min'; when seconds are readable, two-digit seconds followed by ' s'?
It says 11 h 37 min
